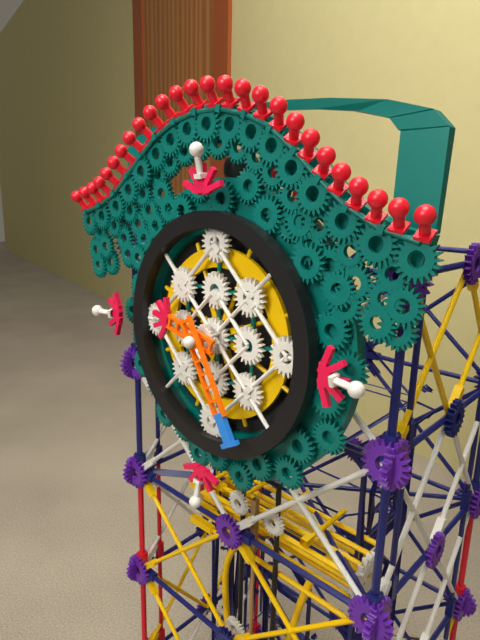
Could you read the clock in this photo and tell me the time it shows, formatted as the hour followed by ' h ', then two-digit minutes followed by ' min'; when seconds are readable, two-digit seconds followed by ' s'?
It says 9 h 25 min
